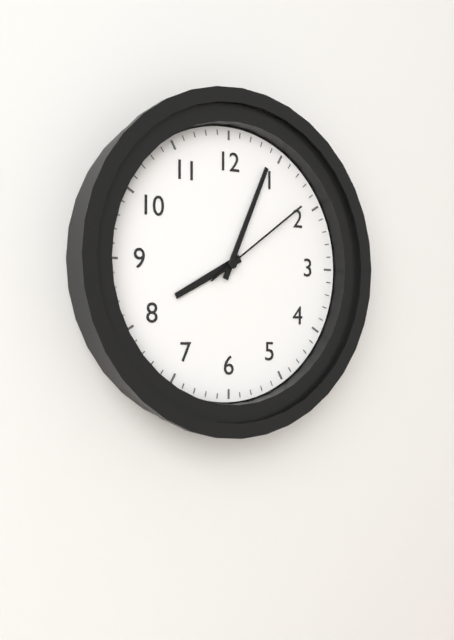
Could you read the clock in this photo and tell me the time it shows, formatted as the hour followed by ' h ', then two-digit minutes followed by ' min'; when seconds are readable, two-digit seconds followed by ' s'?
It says 8 h 04 min 09 s
